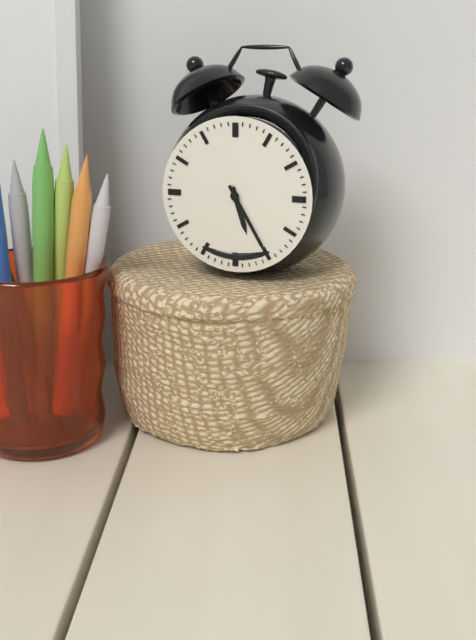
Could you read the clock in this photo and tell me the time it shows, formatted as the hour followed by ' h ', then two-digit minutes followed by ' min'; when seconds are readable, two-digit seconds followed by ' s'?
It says 5 h 25 min
